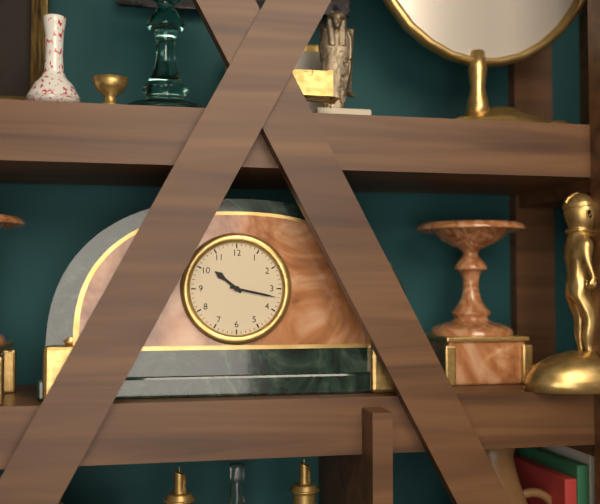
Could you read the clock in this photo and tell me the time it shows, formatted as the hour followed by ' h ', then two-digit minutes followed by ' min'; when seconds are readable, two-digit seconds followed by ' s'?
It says 10 h 17 min
